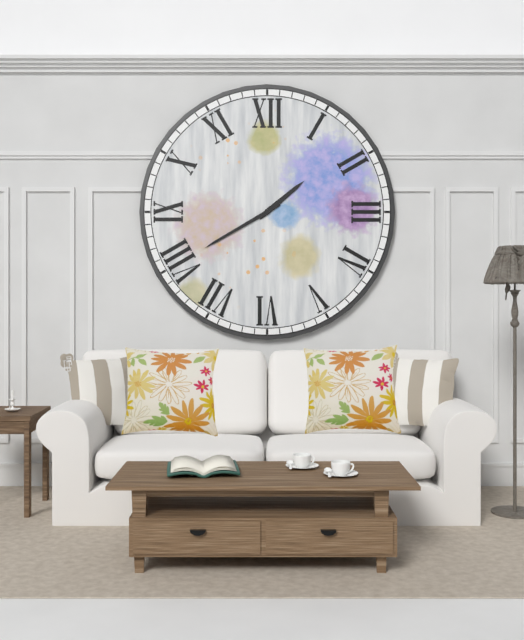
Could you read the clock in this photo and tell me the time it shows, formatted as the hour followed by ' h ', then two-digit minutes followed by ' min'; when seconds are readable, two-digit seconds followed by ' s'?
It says 1 h 40 min
